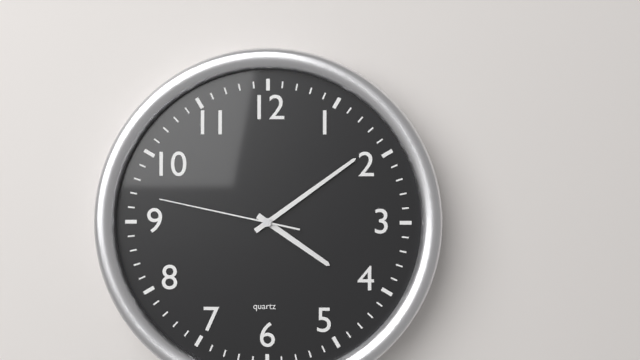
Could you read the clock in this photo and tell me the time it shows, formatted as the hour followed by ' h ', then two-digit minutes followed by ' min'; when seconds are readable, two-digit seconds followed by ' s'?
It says 4 h 09 min 47 s
